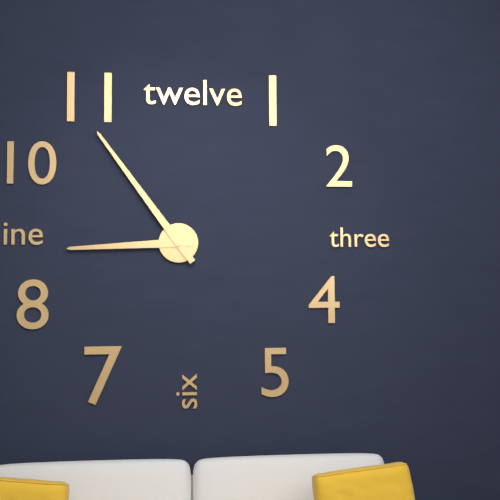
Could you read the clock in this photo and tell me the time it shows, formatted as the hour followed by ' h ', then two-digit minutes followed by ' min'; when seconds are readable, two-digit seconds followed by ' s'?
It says 8 h 54 min
